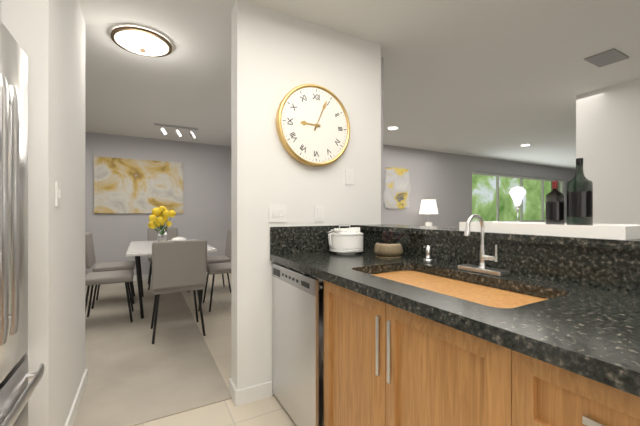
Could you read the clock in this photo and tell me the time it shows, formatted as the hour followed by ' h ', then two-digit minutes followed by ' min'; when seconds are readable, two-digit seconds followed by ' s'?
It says 9 h 04 min
